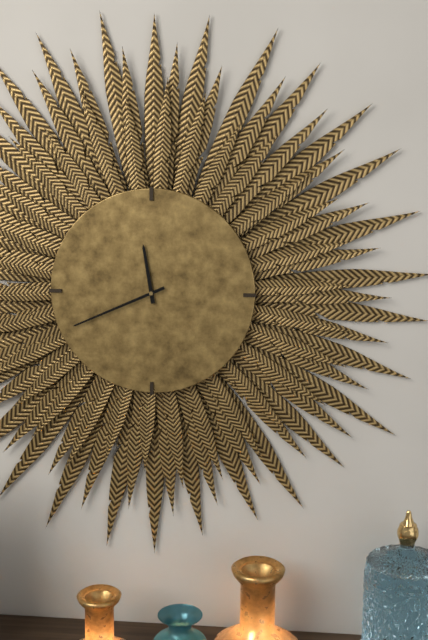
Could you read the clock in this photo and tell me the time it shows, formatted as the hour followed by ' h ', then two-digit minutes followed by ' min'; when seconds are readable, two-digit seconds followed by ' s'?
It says 11 h 41 min
